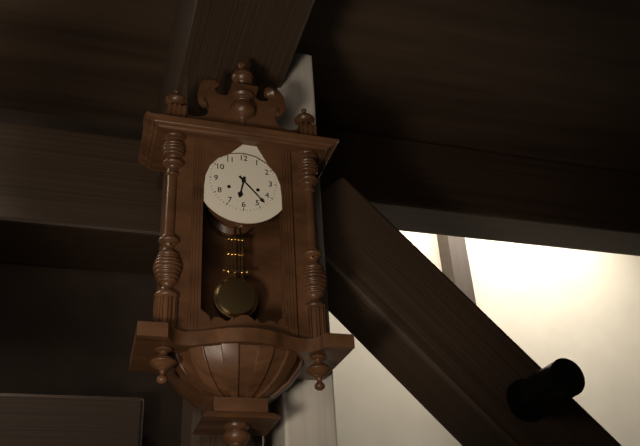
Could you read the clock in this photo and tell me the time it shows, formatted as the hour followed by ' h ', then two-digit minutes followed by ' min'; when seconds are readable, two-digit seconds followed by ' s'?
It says 6 h 23 min
